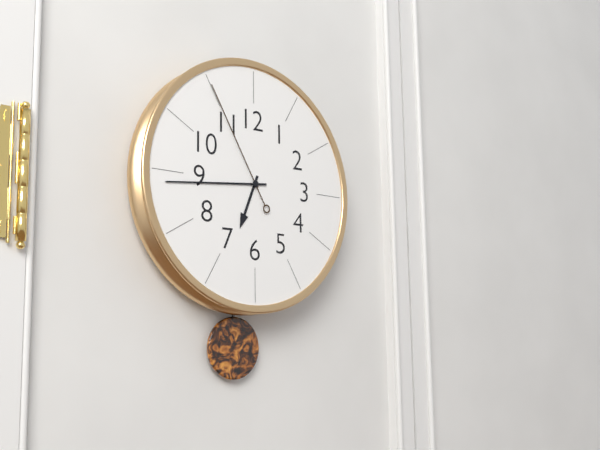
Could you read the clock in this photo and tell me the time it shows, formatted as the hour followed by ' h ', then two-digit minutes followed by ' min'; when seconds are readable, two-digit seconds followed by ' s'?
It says 6 h 44 min 55 s
